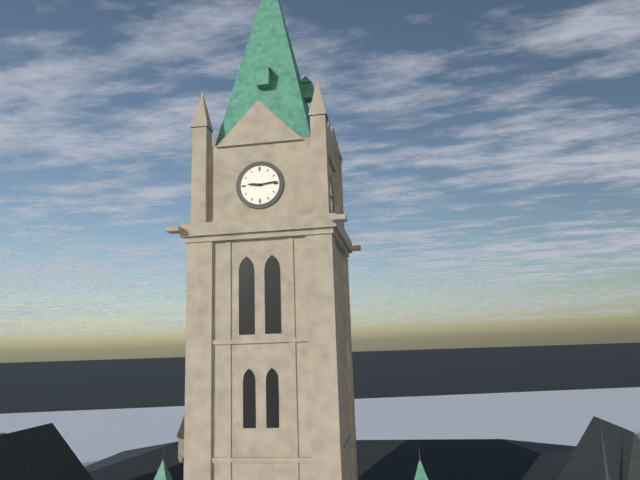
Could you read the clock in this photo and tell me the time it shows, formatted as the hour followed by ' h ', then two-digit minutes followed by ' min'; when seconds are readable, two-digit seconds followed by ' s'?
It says 9 h 14 min
